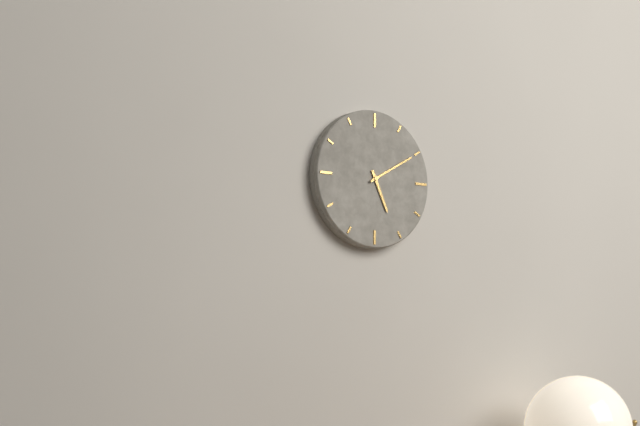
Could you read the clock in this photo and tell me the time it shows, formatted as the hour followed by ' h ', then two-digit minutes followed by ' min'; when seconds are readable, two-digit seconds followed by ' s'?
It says 5 h 10 min
